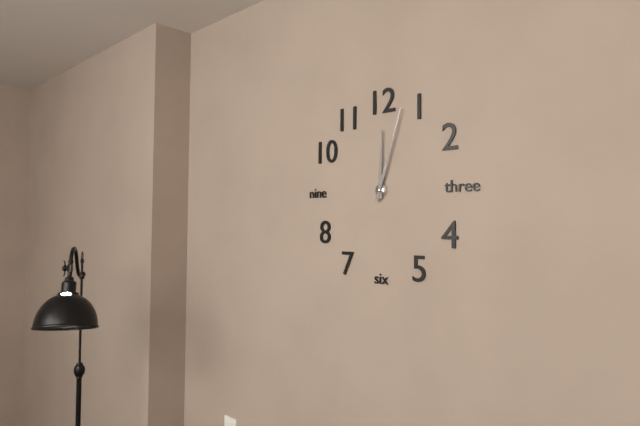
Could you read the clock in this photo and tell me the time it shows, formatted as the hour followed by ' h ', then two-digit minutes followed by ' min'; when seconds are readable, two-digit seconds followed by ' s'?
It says 12 h 03 min
